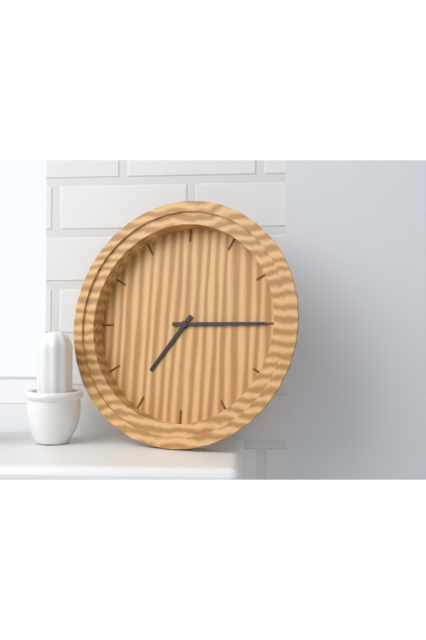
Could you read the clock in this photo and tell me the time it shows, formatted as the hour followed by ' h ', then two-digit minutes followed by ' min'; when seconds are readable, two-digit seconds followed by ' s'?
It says 7 h 15 min
